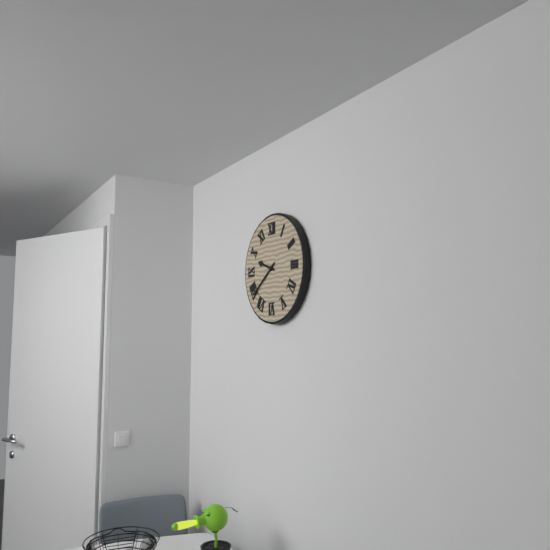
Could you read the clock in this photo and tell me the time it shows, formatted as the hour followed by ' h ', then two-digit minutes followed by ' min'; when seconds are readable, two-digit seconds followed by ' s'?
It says 9 h 39 min
